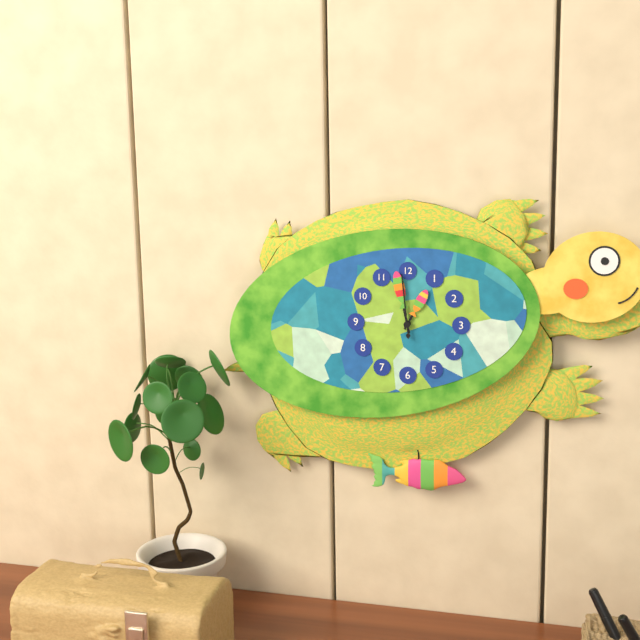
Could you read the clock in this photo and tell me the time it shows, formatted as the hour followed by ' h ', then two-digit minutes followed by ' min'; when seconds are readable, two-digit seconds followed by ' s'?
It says 12 h 58 min 59 s
